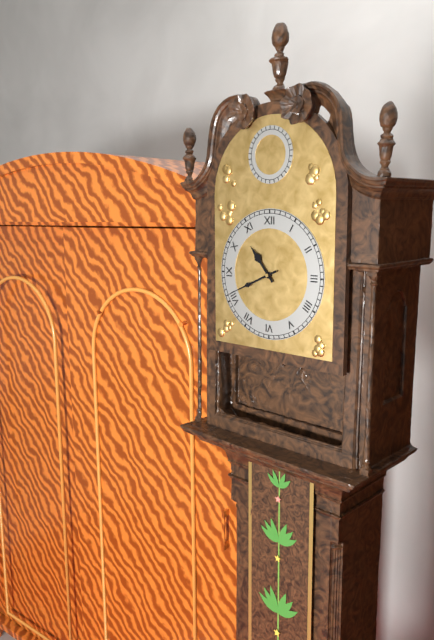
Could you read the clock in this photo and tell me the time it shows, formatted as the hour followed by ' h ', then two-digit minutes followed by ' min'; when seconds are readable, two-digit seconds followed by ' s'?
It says 10 h 41 min
